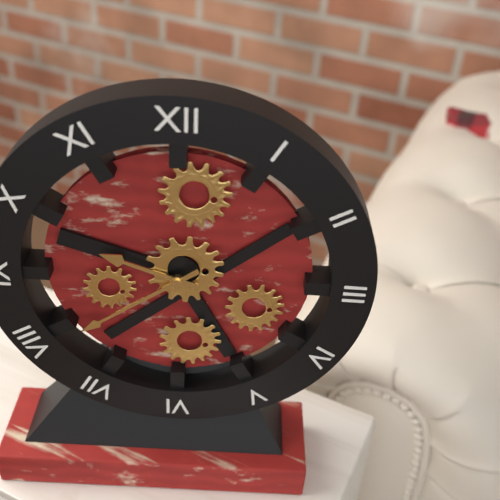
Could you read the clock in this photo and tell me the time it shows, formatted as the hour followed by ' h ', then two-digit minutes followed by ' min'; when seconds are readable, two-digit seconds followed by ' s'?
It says 9 h 39 min
